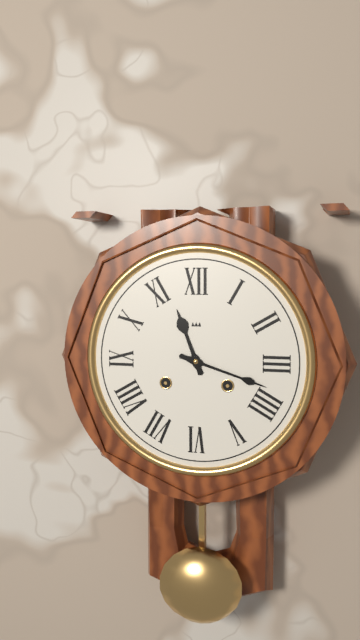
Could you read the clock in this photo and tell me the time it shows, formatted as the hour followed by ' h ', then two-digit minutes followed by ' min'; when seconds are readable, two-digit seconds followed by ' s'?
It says 11 h 18 min
